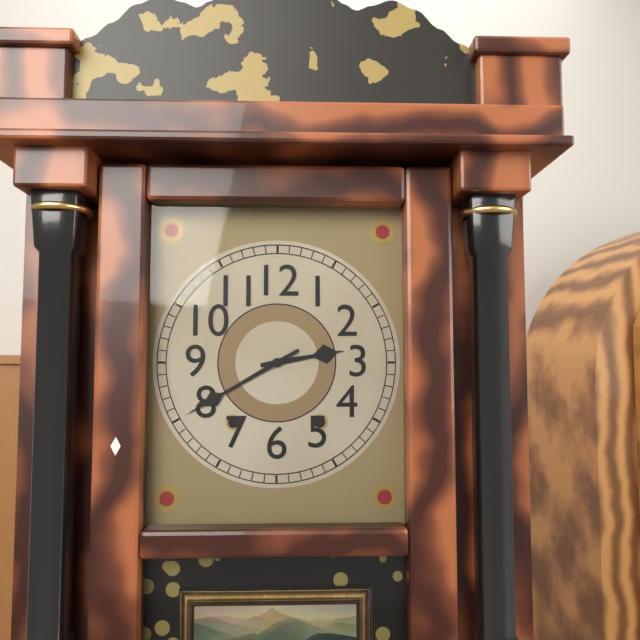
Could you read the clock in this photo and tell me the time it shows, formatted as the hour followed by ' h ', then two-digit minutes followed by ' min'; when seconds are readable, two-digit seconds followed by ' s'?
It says 2 h 40 min
